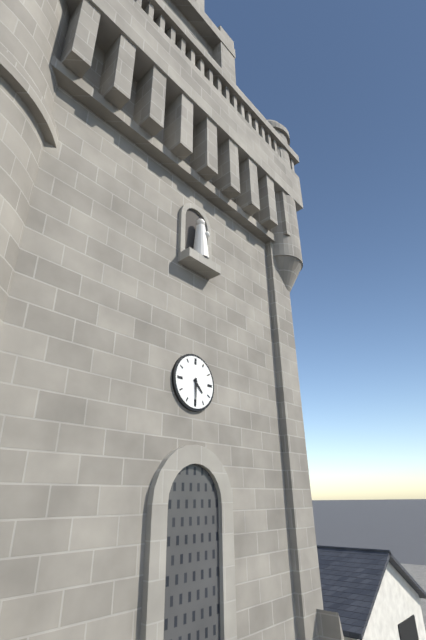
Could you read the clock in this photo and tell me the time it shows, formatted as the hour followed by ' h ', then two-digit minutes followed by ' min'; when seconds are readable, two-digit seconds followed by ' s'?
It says 4 h 30 min
